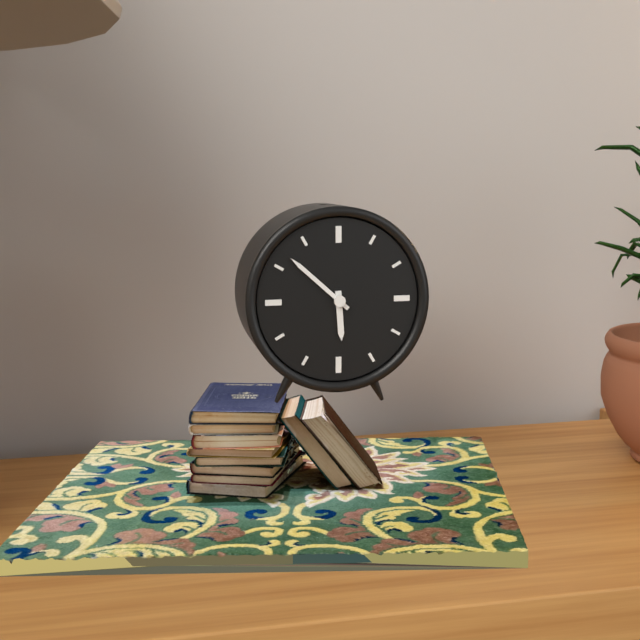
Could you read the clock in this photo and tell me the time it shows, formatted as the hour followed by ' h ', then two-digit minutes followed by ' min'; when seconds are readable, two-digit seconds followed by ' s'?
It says 5 h 52 min
